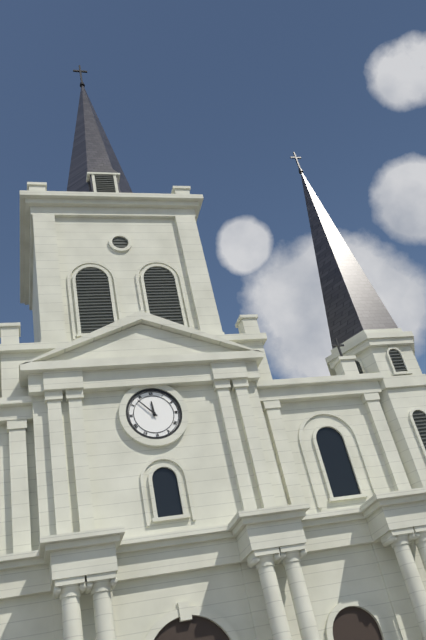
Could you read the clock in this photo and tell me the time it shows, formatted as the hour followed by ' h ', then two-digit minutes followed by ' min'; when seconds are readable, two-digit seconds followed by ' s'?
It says 11 h 53 min
